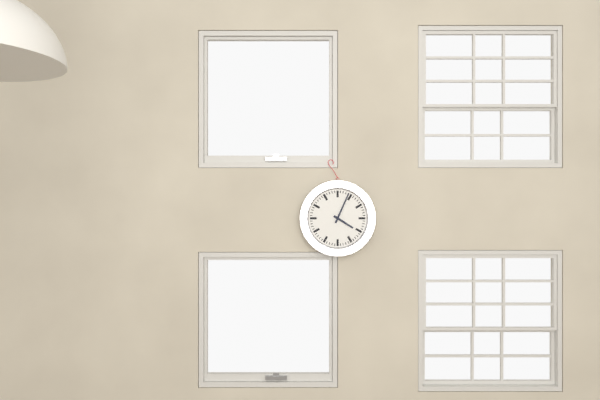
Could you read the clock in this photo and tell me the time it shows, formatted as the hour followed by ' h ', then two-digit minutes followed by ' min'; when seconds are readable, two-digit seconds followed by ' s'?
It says 4 h 04 min
